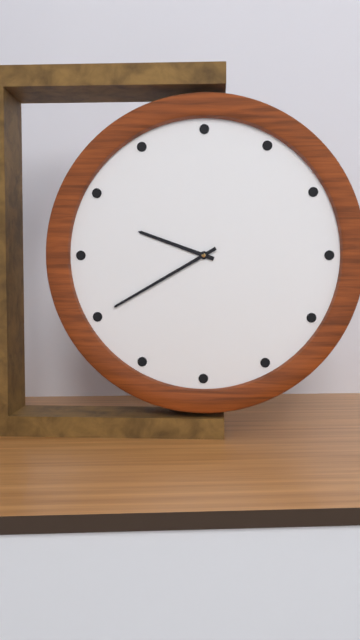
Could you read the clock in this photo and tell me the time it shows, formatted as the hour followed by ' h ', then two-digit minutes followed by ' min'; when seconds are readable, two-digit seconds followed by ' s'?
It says 9 h 40 min
